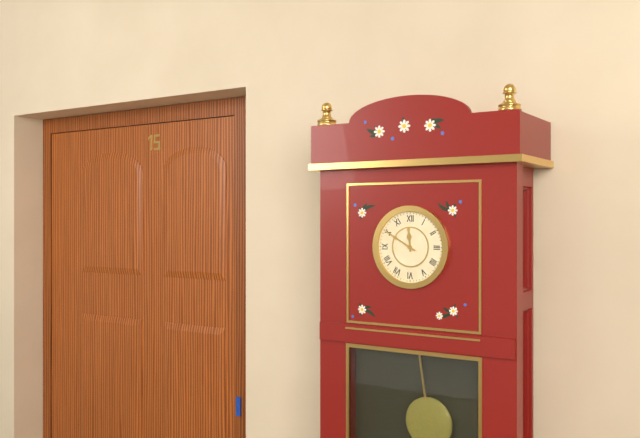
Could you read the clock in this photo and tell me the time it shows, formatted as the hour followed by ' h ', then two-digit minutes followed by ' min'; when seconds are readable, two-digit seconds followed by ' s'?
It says 11 h 50 min
